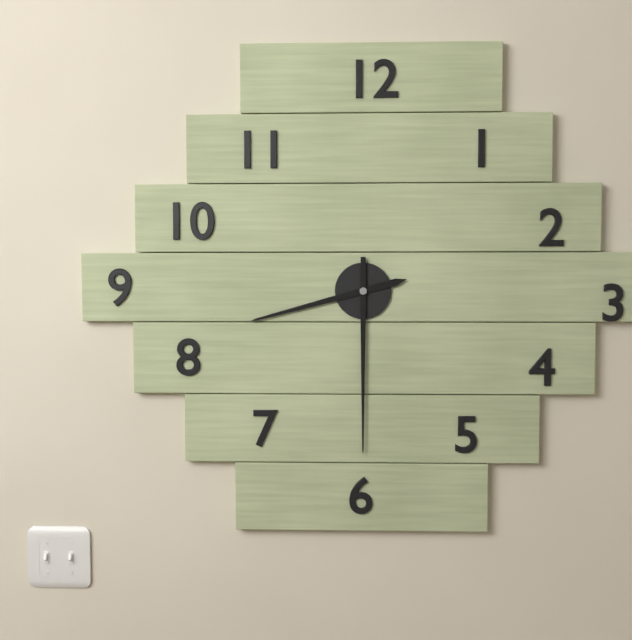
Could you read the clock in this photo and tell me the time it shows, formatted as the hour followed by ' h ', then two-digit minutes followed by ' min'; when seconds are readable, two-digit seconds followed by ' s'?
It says 8 h 30 min
